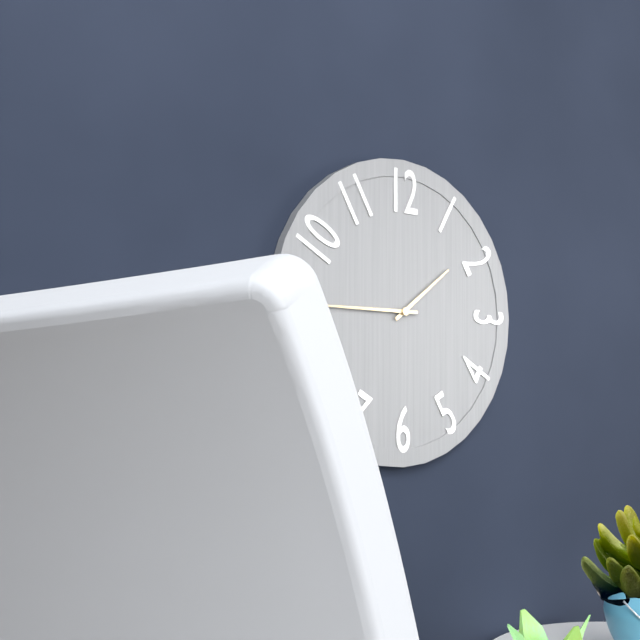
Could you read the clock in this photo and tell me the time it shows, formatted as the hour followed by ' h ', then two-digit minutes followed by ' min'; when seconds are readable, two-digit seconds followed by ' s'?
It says 1 h 45 min
